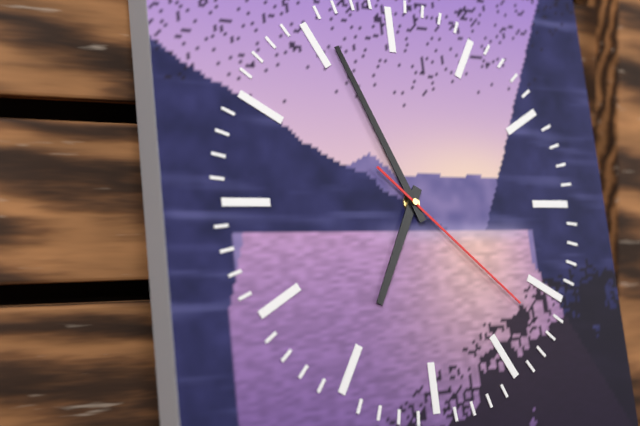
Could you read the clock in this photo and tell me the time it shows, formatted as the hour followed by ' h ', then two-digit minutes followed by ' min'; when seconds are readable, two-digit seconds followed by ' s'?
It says 6 h 56 min 22 s
